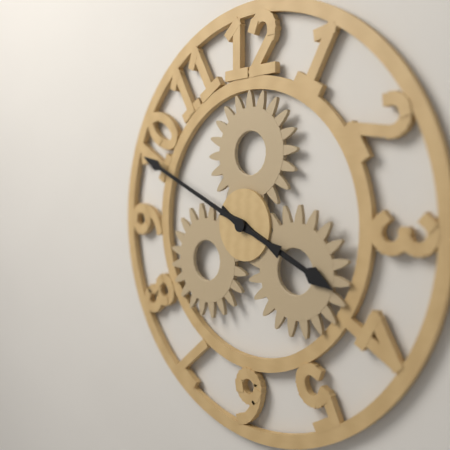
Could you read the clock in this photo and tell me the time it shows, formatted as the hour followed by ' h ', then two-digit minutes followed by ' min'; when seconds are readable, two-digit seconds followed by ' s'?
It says 3 h 49 min
